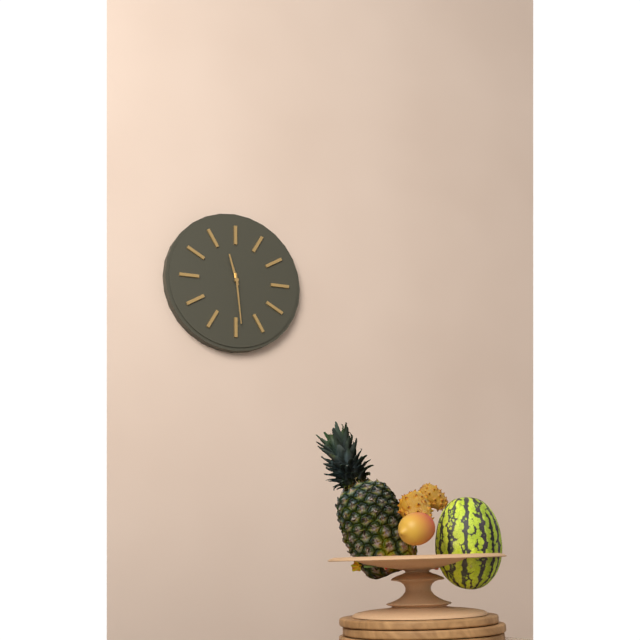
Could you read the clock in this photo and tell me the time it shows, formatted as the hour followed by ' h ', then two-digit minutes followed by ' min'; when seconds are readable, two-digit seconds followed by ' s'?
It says 11 h 29 min
